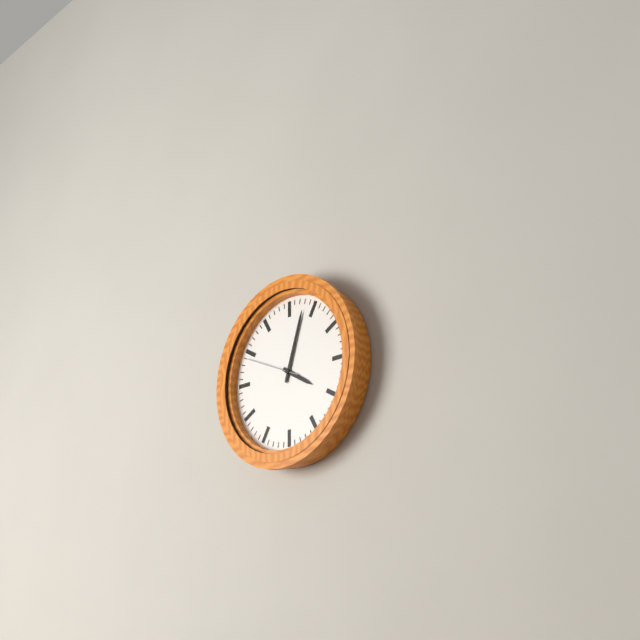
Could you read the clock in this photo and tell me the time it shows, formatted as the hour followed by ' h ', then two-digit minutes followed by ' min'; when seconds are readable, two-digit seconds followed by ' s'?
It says 4 h 03 min 49 s
